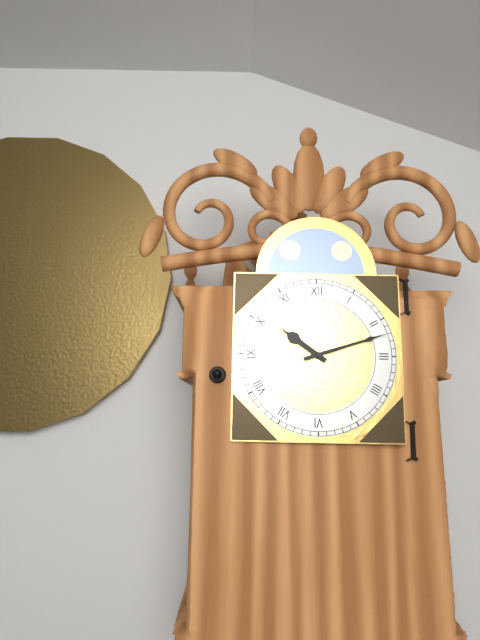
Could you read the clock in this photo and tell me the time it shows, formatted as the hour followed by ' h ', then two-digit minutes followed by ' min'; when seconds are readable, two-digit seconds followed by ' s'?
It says 10 h 12 min
